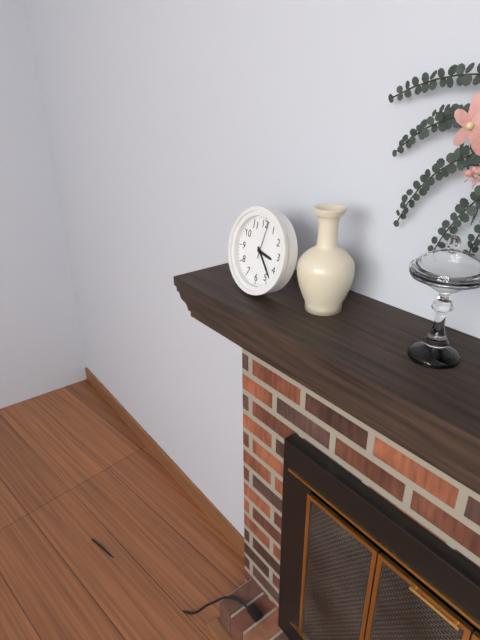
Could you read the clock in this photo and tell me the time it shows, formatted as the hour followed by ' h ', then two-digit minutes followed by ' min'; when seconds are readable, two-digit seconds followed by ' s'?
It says 3 h 23 min
